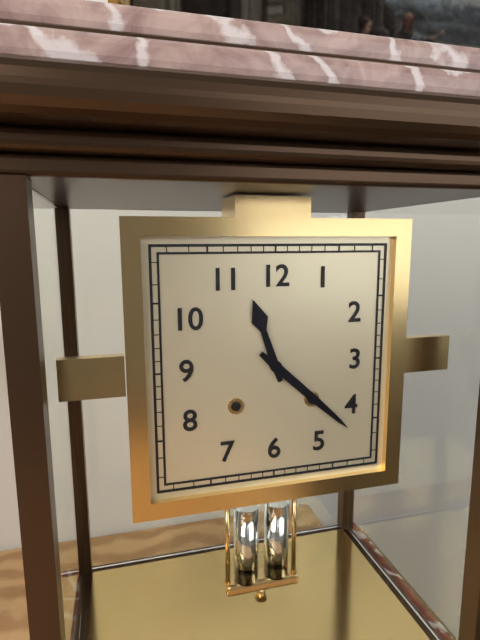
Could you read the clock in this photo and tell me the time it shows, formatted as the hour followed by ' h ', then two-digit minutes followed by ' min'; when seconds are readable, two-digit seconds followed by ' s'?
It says 11 h 22 min
